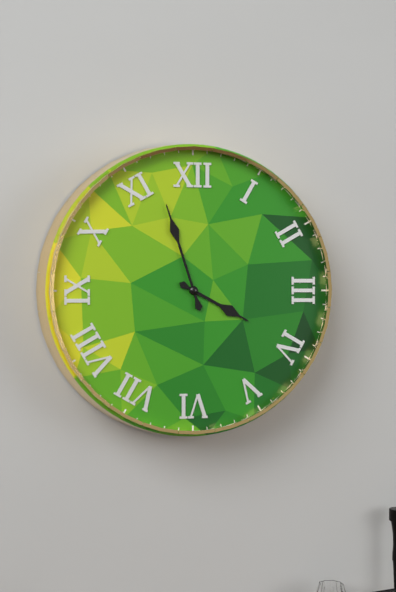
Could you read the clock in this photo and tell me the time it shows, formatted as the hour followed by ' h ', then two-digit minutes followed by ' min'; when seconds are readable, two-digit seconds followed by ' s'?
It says 3 h 57 min
